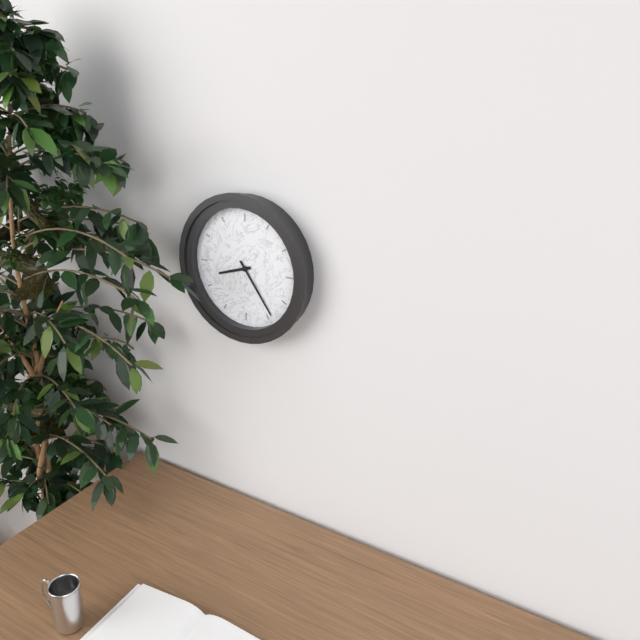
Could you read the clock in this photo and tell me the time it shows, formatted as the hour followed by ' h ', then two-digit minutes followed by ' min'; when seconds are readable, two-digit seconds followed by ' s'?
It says 8 h 24 min
